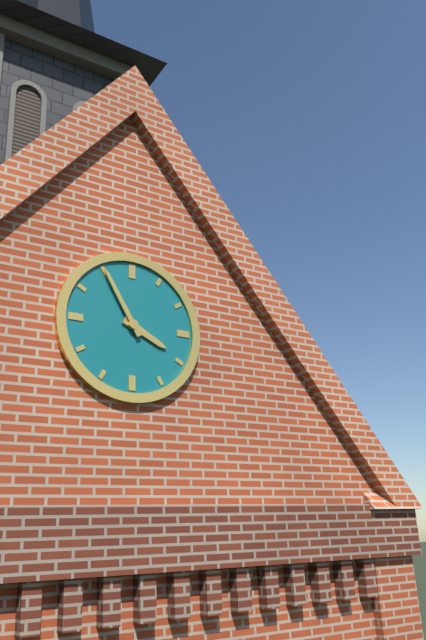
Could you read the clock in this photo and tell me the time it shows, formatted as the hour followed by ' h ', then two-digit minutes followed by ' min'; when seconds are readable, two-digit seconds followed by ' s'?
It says 3 h 55 min
